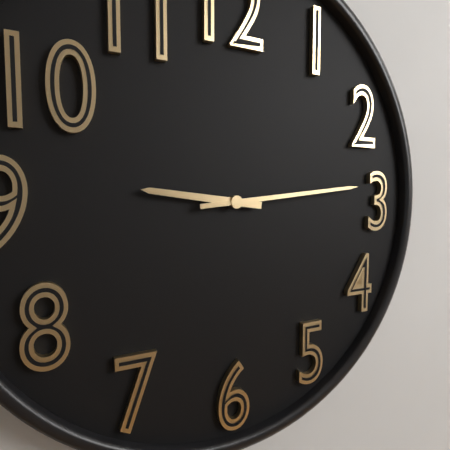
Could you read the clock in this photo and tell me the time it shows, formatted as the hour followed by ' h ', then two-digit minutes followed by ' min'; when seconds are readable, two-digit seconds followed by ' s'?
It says 9 h 14 min
